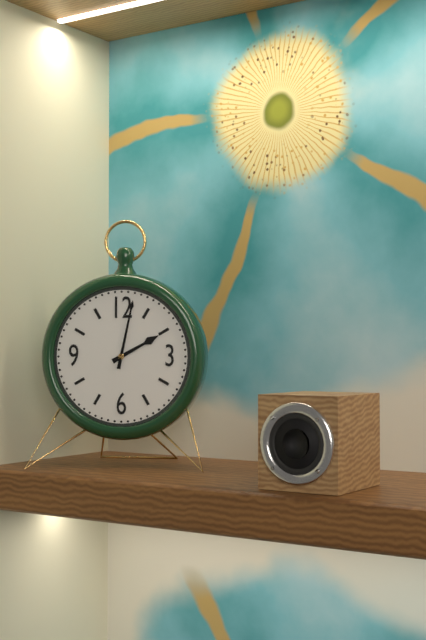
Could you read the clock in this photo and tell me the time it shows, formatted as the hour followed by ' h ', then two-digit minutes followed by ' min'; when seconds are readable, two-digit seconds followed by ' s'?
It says 2 h 02 min
